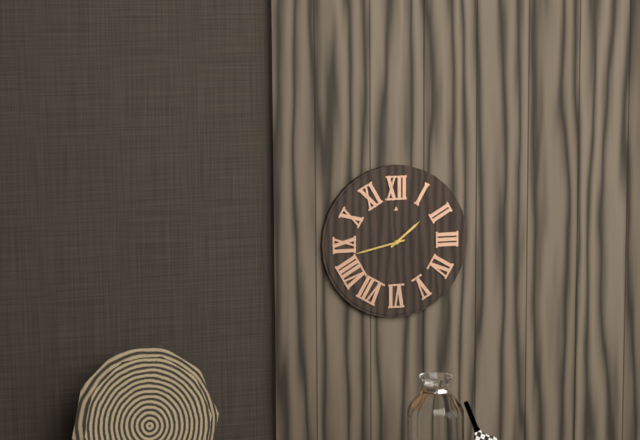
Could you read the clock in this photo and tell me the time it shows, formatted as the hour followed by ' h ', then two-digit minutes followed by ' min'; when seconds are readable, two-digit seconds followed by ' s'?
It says 1 h 43 min
